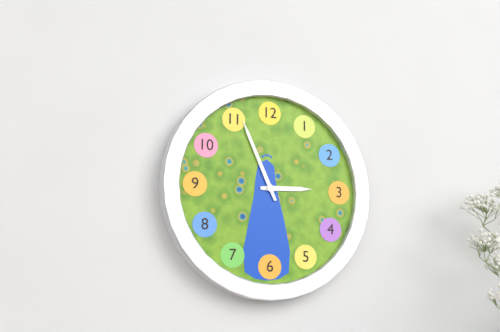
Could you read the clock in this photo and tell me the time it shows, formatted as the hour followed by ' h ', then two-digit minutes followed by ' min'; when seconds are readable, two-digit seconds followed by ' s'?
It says 2 h 56 min
